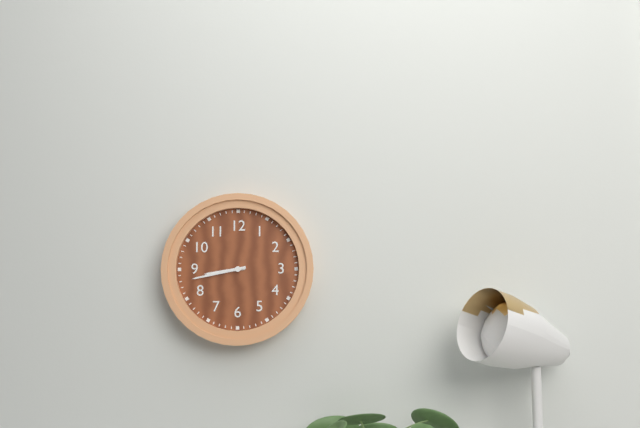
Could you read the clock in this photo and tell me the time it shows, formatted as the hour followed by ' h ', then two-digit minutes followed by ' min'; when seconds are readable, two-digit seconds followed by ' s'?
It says 8 h 43 min
